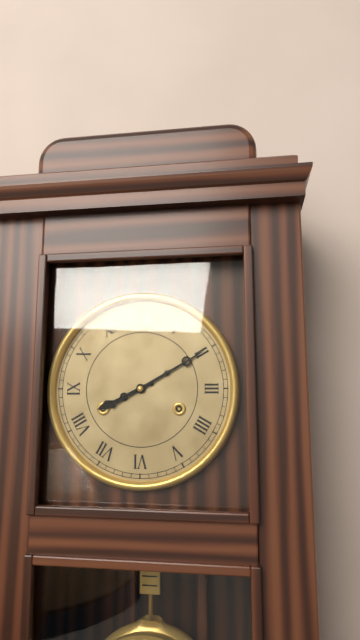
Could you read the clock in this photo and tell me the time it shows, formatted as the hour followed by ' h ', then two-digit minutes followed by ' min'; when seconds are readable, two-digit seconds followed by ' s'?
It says 8 h 10 min
